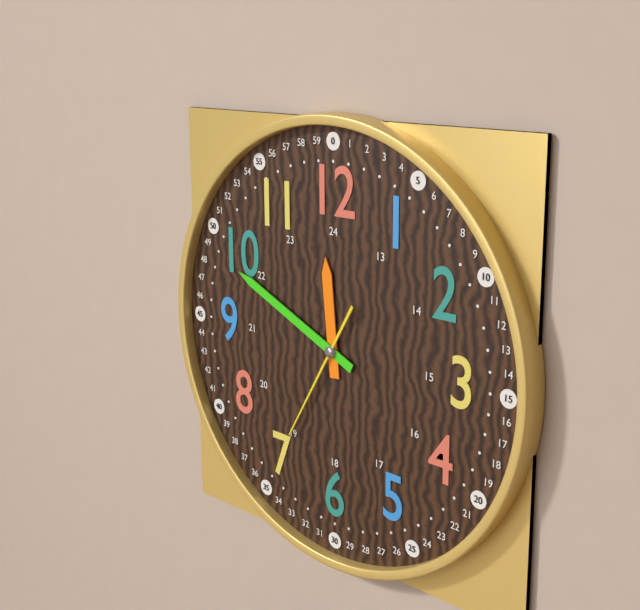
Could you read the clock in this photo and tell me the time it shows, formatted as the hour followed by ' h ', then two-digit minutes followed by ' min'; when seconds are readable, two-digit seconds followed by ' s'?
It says 11 h 49 min 35 s
